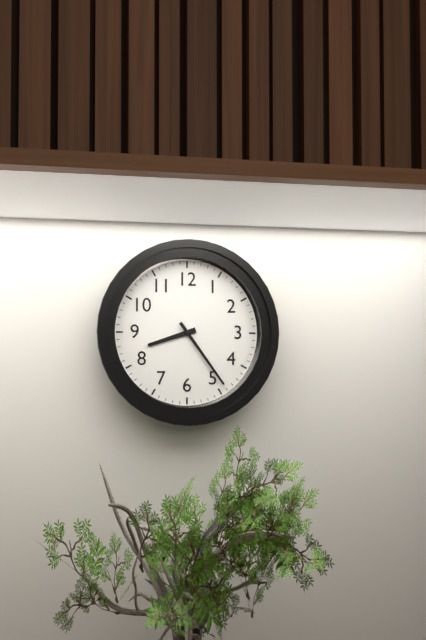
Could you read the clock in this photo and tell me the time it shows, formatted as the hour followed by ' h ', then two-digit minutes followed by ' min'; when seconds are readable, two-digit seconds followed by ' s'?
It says 8 h 24 min
